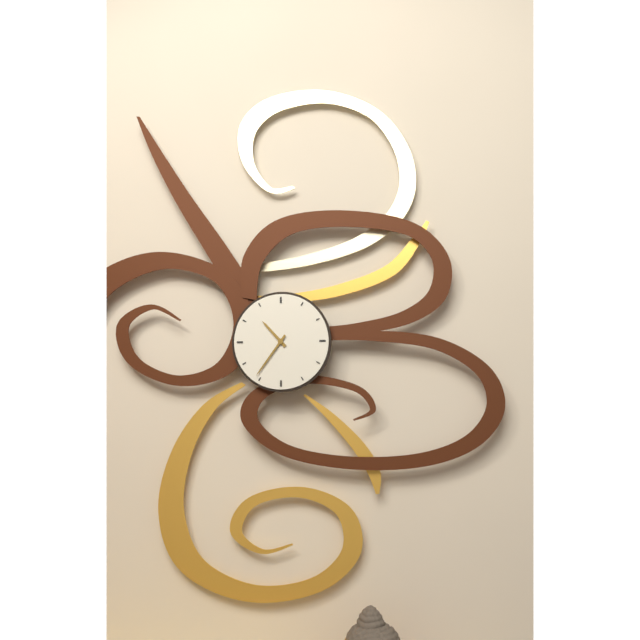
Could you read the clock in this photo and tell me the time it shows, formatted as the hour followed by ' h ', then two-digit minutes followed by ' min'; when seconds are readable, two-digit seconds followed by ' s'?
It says 10 h 36 min
